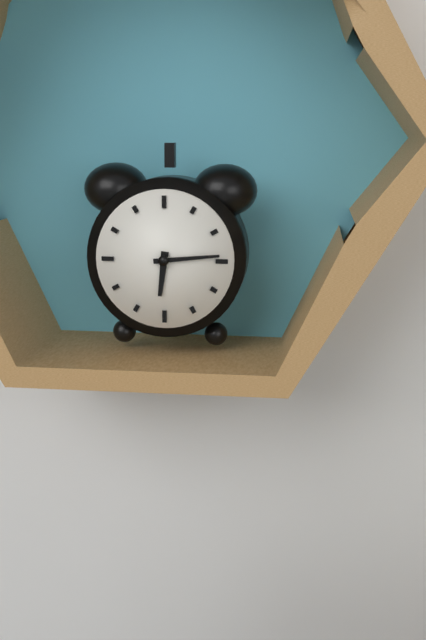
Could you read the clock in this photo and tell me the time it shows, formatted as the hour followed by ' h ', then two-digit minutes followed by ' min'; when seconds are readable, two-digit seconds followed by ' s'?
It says 6 h 14 min
